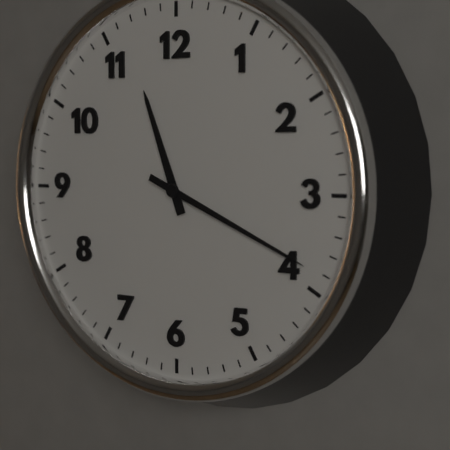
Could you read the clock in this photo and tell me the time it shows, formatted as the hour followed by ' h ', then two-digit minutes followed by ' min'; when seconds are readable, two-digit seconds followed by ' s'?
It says 11 h 19 min
